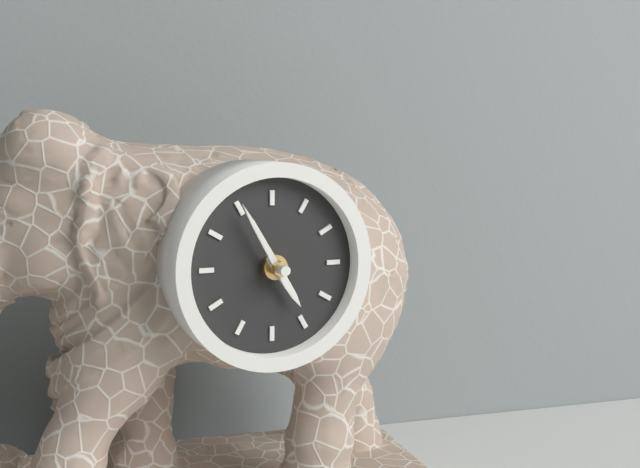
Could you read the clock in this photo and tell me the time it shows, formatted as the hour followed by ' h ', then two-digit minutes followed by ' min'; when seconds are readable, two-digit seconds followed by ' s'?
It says 4 h 55 min
